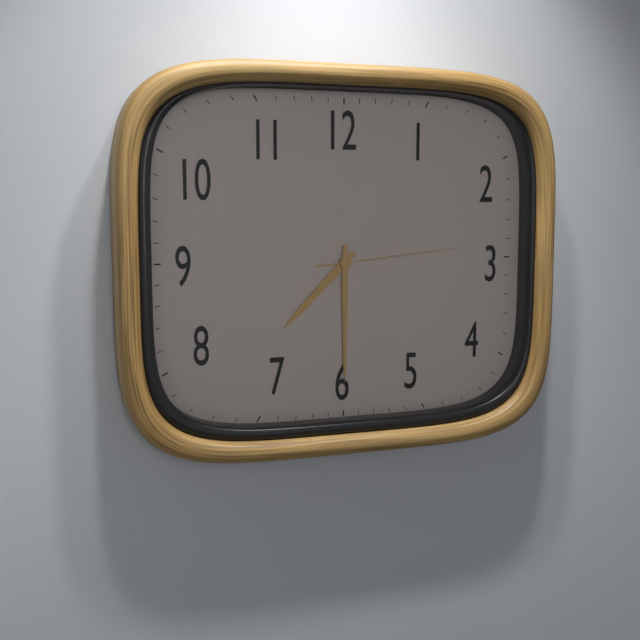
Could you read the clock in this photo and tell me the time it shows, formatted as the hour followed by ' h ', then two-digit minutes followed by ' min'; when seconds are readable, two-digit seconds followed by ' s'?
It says 7 h 30 min 14 s
